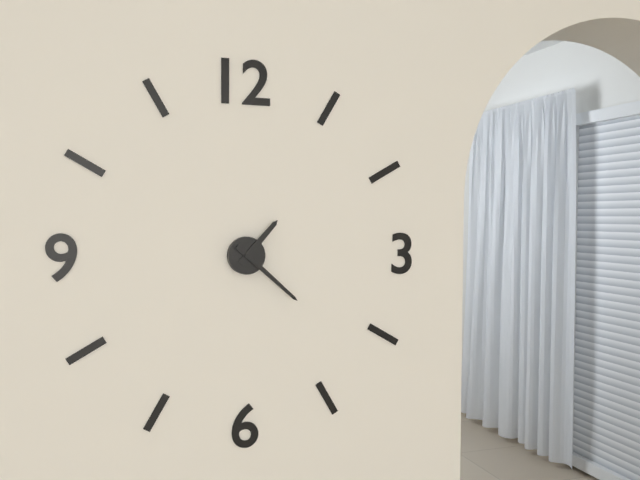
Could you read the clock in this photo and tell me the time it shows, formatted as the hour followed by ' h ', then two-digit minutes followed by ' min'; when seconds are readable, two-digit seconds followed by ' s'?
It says 1 h 22 min
